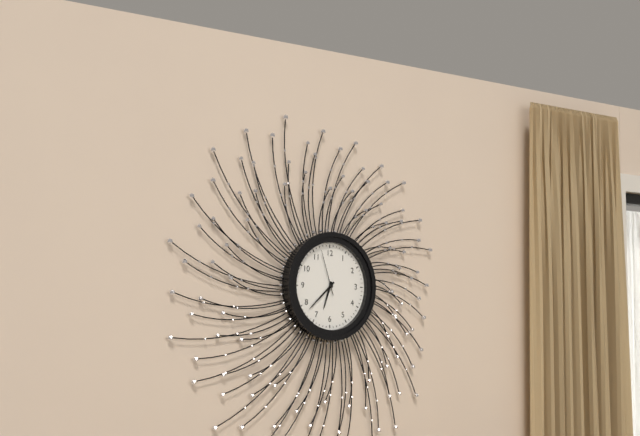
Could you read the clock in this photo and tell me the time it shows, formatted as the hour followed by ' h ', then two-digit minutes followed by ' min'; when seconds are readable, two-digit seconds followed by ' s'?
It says 6 h 38 min
